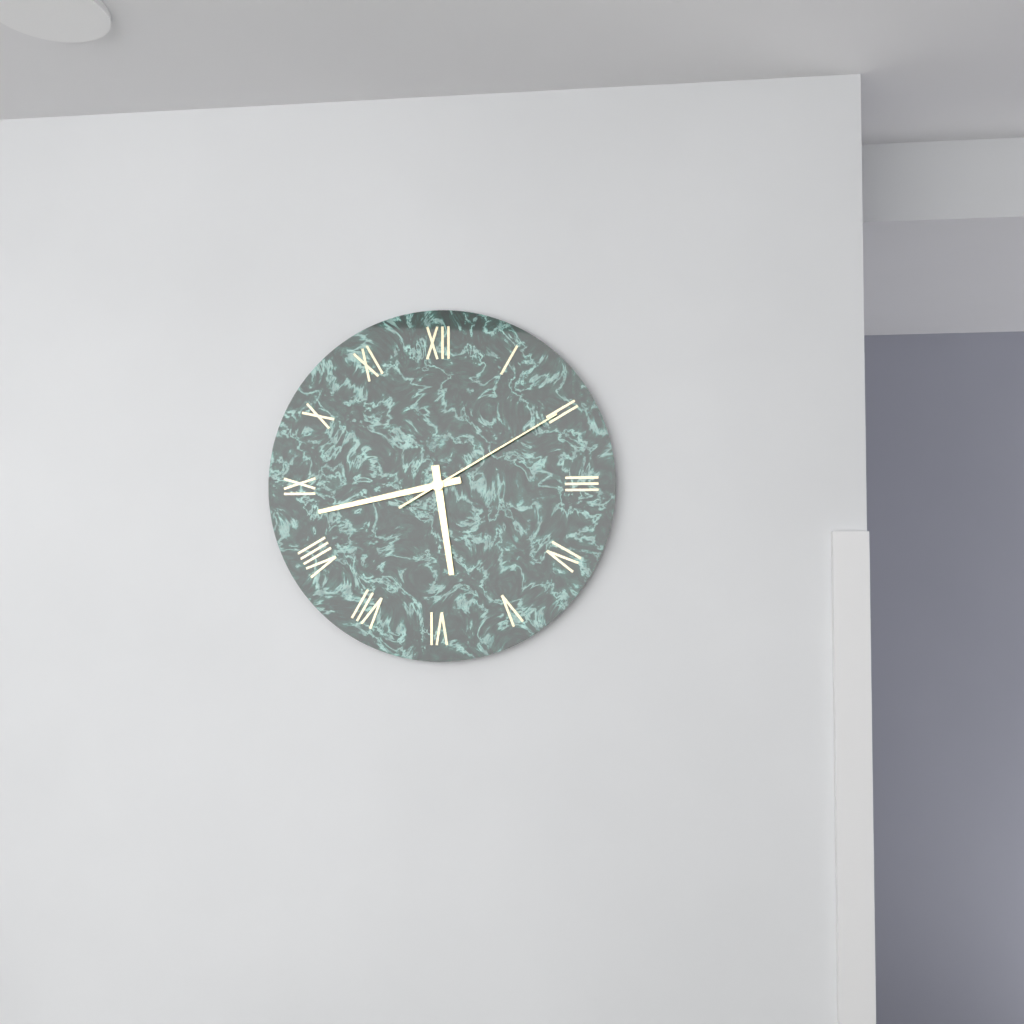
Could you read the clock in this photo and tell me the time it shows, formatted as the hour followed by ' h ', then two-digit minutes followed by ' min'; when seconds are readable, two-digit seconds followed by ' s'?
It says 5 h 43 min 10 s
